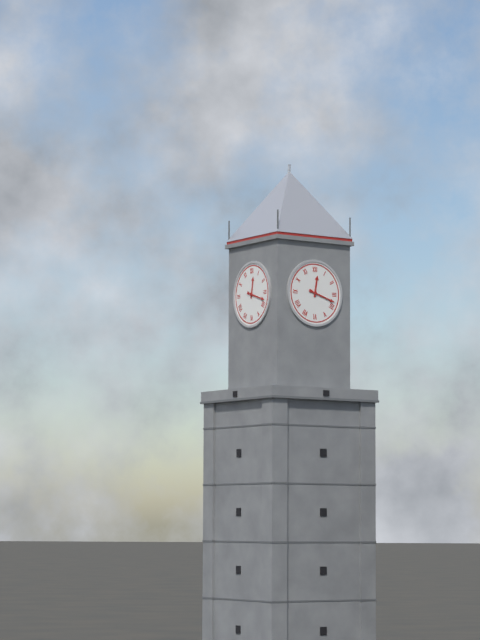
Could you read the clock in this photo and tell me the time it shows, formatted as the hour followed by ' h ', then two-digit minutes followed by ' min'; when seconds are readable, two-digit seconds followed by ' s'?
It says 12 h 18 min
